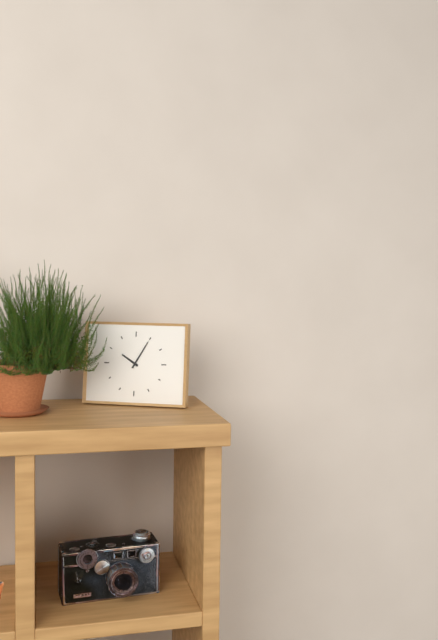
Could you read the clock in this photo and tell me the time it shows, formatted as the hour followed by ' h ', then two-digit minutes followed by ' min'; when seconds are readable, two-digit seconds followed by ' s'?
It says 10 h 05 min
